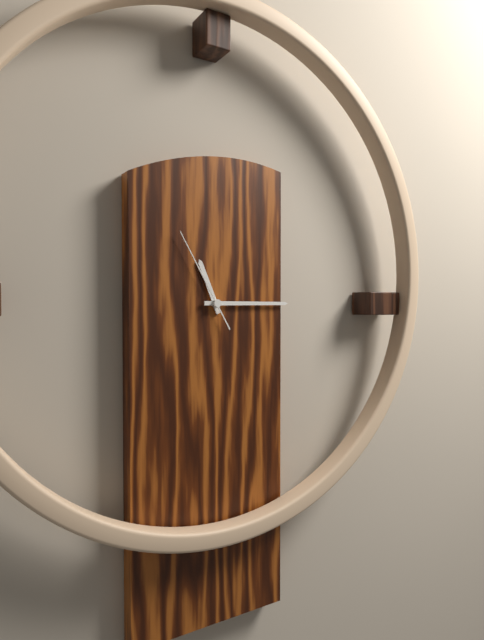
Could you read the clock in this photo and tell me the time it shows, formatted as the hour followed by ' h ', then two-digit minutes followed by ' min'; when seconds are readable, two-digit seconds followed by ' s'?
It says 11 h 15 min 55 s
